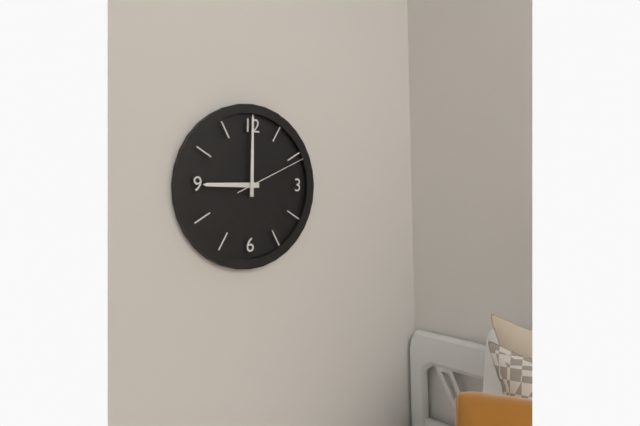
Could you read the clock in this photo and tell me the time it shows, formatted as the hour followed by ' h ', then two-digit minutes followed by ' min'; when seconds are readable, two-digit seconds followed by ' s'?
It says 9 h 00 min 11 s
